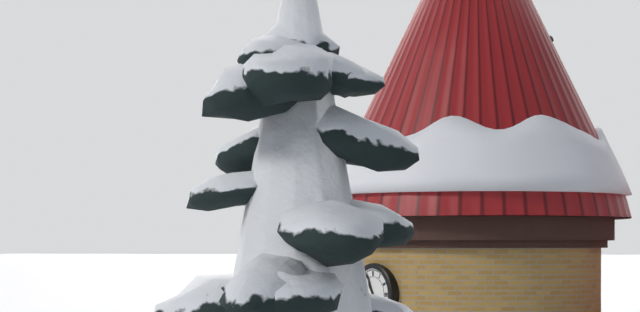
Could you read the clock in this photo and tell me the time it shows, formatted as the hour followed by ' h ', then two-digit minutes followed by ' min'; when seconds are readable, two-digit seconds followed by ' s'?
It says 10 h 56 min
